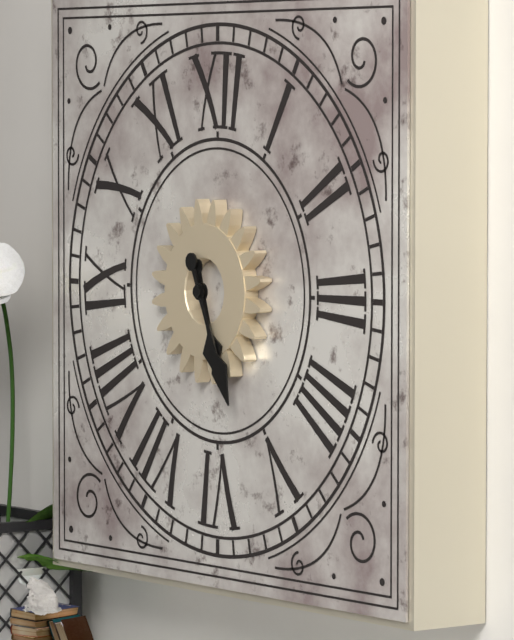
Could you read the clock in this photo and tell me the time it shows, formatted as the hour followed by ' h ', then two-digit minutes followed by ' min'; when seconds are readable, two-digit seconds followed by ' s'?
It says 5 h 26 min
